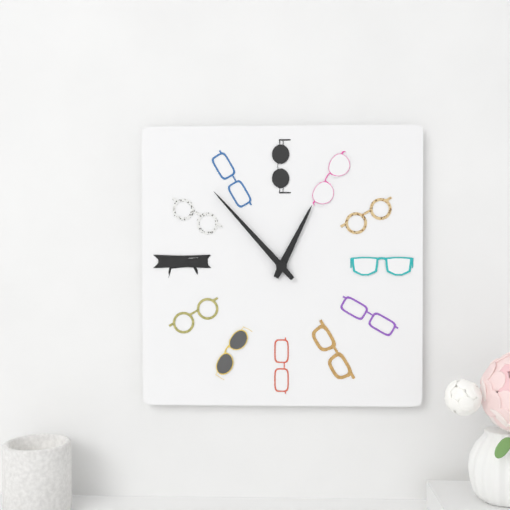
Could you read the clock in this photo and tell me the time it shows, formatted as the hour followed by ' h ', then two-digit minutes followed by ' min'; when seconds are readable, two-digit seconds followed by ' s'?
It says 12 h 53 min
